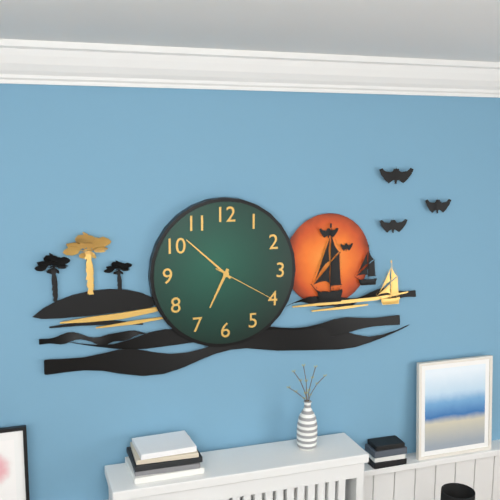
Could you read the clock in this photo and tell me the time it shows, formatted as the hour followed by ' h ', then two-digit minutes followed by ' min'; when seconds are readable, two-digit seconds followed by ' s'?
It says 6 h 52 min 20 s
